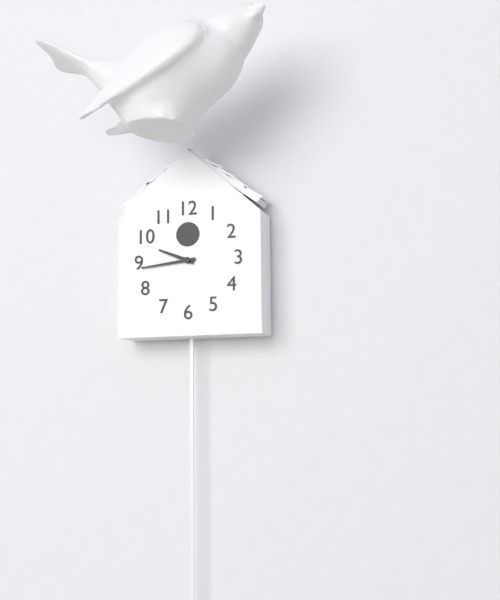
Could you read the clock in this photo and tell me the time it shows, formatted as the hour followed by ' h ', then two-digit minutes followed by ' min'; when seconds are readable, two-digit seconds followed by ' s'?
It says 9 h 44 min
